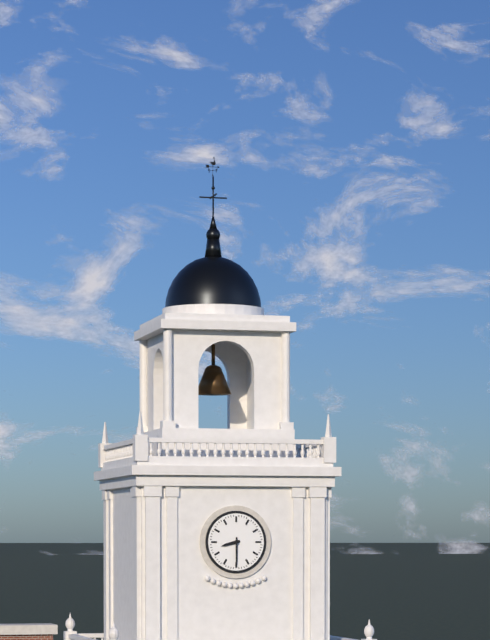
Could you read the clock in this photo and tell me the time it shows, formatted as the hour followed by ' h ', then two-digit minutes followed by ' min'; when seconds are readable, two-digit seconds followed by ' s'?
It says 8 h 30 min
